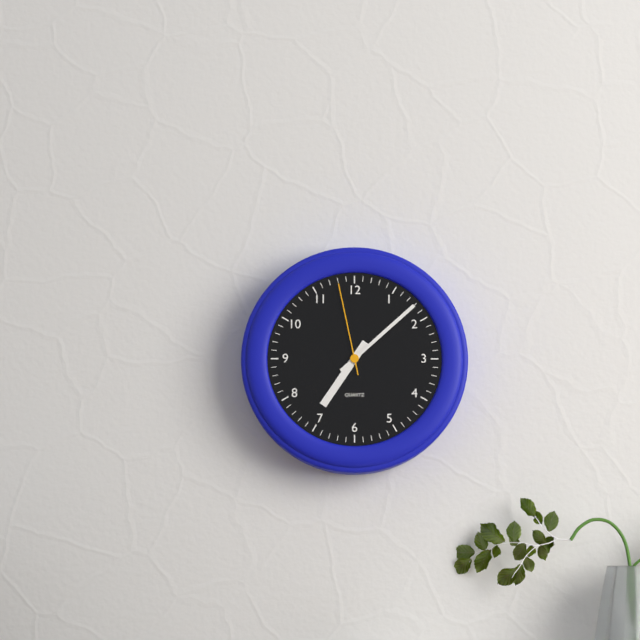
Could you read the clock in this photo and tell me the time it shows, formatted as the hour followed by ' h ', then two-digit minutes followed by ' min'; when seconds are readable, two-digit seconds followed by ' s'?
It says 7 h 08 min 58 s
